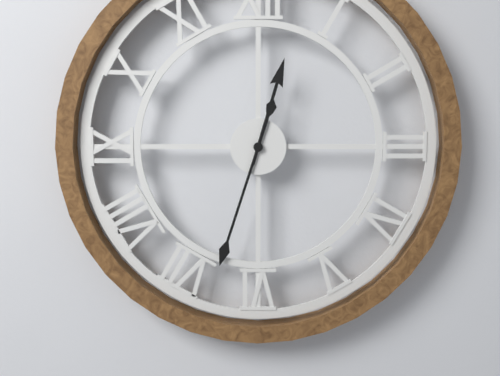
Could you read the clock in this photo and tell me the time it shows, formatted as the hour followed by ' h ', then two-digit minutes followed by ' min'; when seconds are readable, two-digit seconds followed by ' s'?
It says 12 h 33 min
